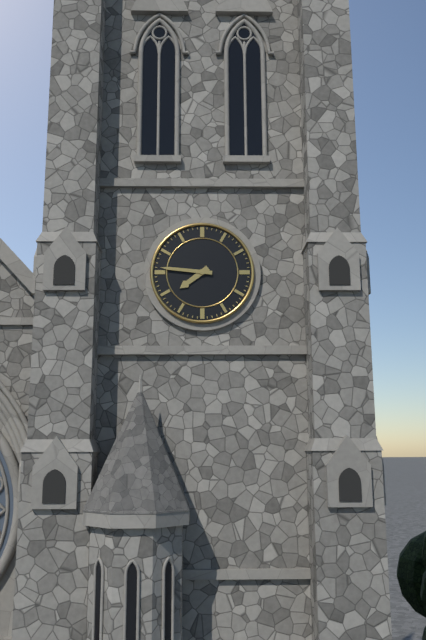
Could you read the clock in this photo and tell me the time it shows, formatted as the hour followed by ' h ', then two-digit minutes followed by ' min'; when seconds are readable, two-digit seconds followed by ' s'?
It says 7 h 46 min
